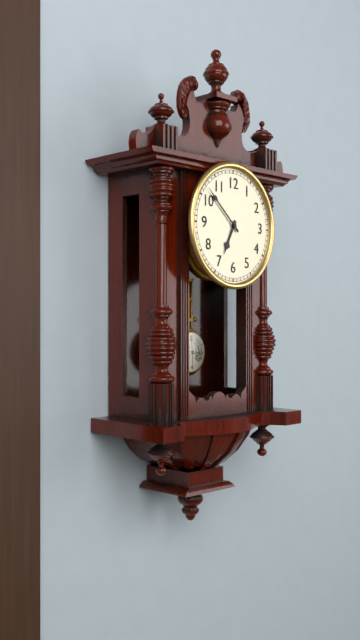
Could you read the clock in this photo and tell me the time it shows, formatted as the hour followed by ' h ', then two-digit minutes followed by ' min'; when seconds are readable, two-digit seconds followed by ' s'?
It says 6 h 52 min
